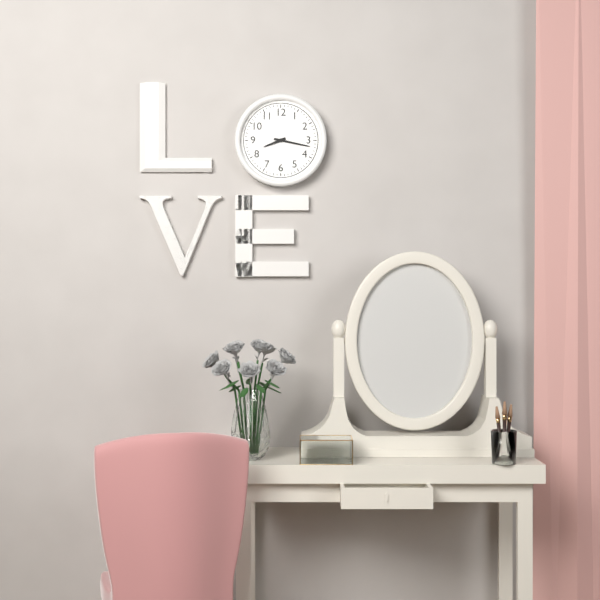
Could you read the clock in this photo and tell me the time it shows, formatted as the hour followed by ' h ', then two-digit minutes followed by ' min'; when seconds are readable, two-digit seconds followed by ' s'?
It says 8 h 17 min
